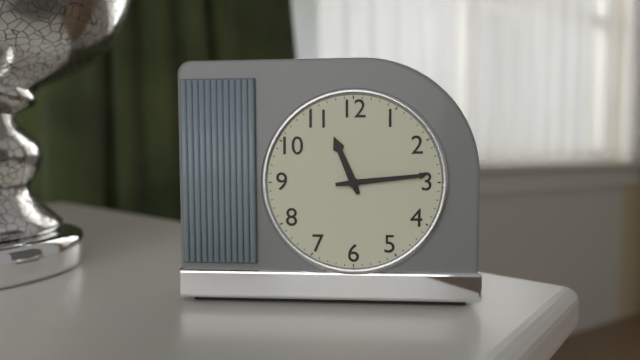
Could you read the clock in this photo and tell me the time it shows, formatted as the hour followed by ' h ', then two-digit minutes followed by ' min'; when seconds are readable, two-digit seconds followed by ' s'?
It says 11 h 14 min
